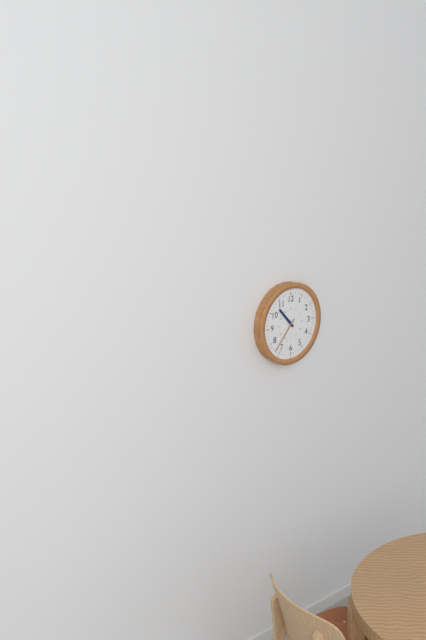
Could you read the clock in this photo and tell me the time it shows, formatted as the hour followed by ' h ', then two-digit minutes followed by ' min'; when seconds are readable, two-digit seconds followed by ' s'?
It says 10 h 37 min
